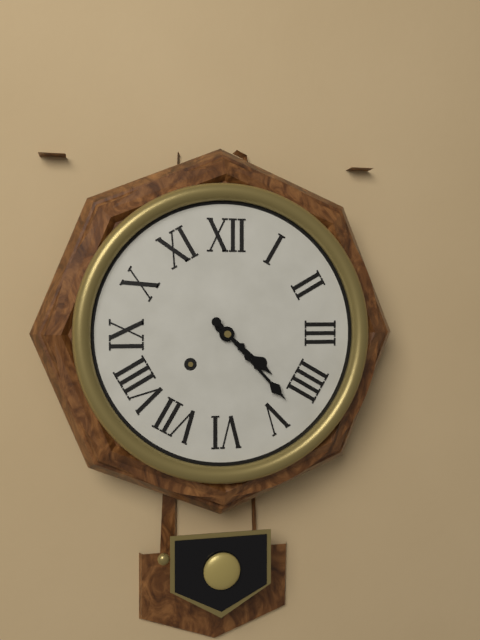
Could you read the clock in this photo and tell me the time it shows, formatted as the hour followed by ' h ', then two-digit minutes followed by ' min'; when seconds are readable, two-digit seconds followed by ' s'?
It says 4 h 23 min
